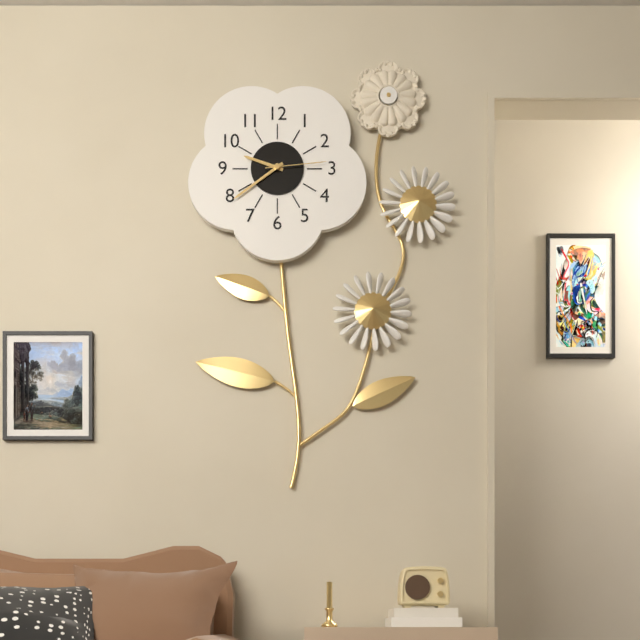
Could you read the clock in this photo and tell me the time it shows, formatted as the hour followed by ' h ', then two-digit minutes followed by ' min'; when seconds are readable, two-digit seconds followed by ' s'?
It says 9 h 39 min 14 s
